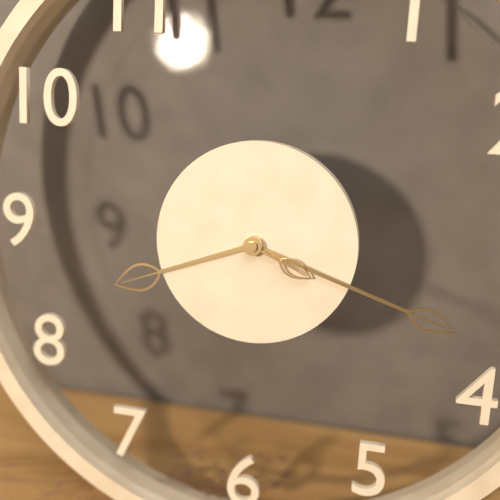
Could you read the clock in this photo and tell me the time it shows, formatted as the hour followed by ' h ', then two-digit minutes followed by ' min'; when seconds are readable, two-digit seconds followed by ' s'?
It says 8 h 18 min 19 s
